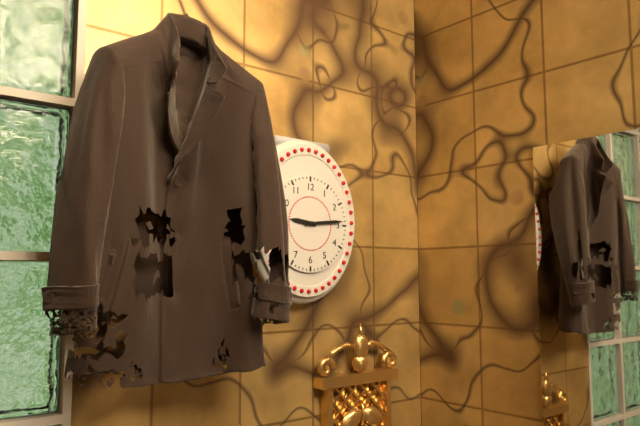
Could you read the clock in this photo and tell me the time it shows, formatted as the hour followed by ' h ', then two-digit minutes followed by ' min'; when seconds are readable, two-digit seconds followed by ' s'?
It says 9 h 14 min
